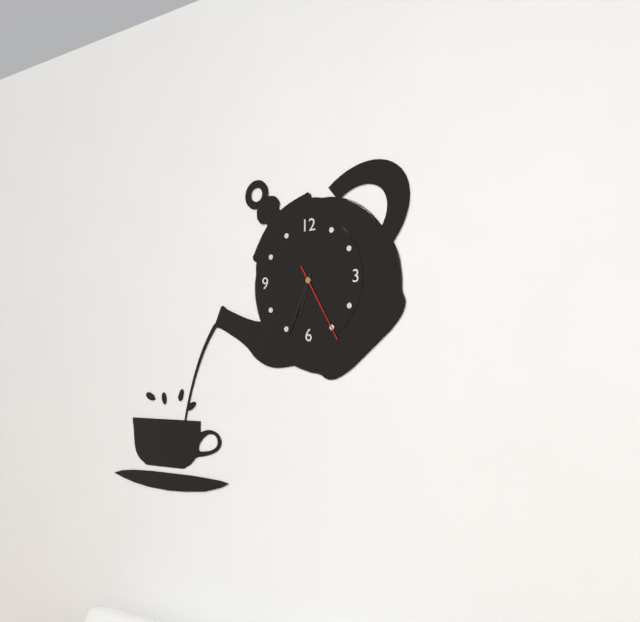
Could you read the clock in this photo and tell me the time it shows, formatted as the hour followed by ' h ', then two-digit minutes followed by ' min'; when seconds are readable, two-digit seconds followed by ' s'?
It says 6 h 34 min 25 s
